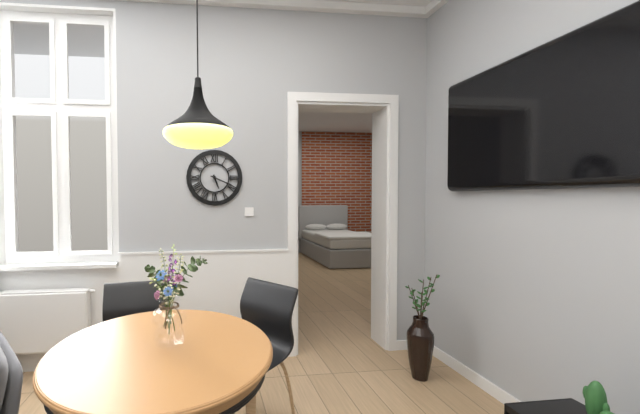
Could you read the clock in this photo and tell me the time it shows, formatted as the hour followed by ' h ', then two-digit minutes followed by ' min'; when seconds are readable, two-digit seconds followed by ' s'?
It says 5 h 19 min
